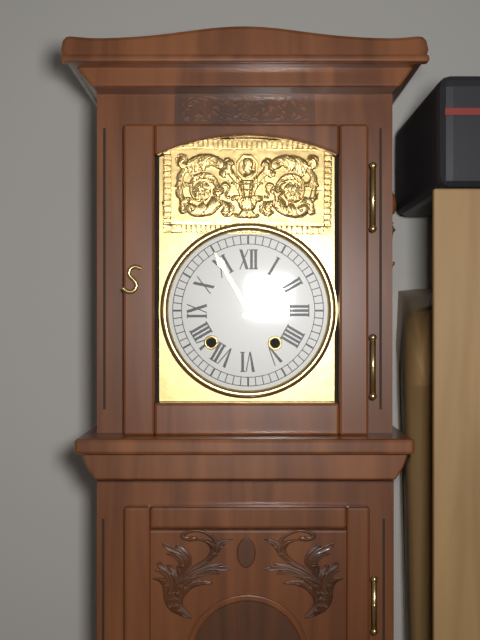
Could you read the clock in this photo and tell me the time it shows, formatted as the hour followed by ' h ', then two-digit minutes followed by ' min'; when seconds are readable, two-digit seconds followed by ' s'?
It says 12 h 55 min
